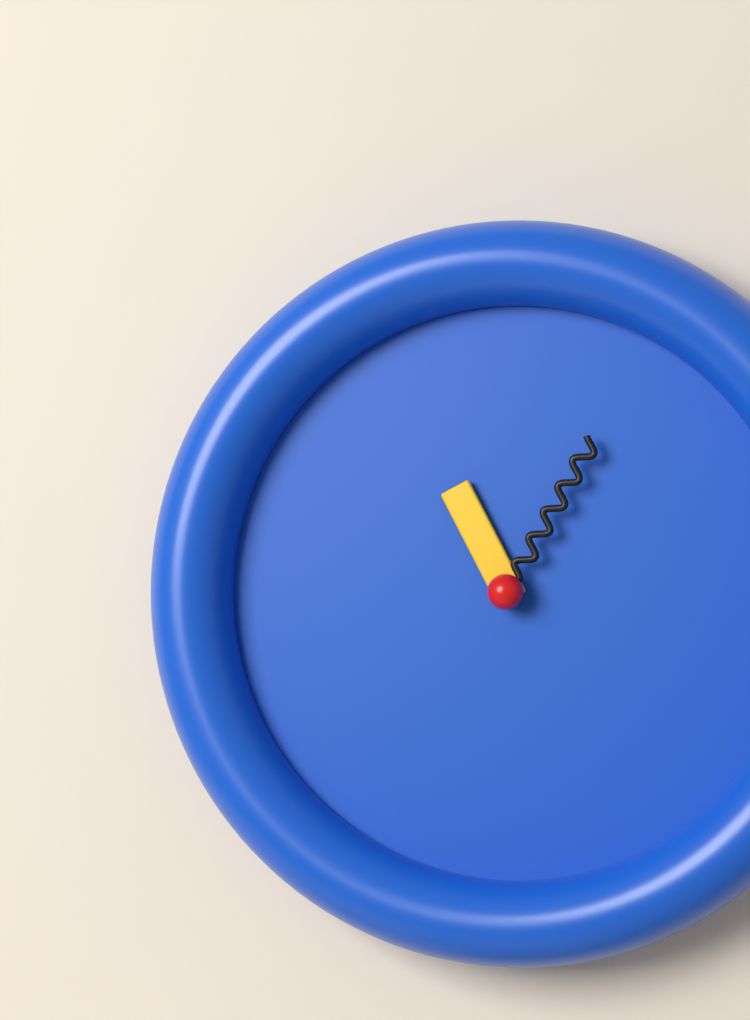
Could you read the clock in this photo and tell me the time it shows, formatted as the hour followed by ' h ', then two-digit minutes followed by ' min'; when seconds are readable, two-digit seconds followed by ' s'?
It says 11 h 05 min
